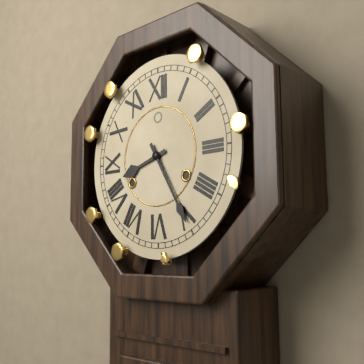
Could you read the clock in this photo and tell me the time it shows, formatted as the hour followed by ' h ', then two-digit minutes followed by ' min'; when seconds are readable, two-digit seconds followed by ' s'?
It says 8 h 25 min
